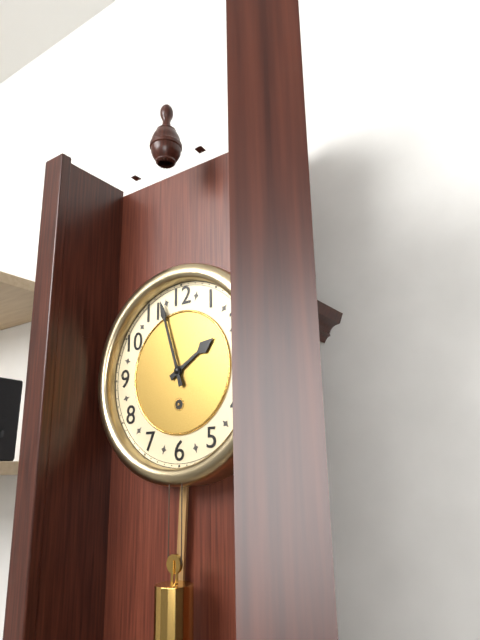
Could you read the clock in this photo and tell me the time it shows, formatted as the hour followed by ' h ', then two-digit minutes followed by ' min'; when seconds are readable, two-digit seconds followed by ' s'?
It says 1 h 57 min
